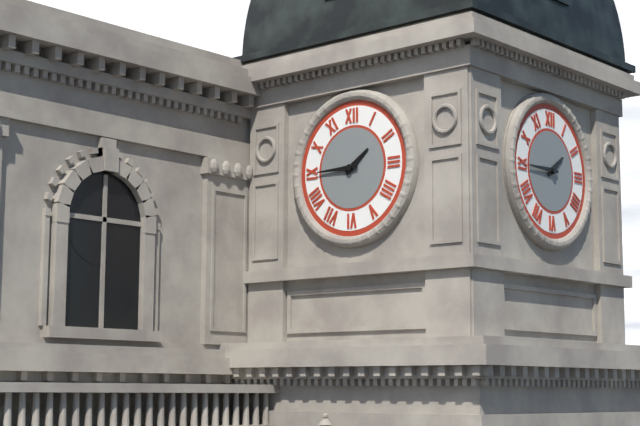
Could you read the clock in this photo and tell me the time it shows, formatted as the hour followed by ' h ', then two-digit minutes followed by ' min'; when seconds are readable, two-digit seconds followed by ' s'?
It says 1 h 45 min
